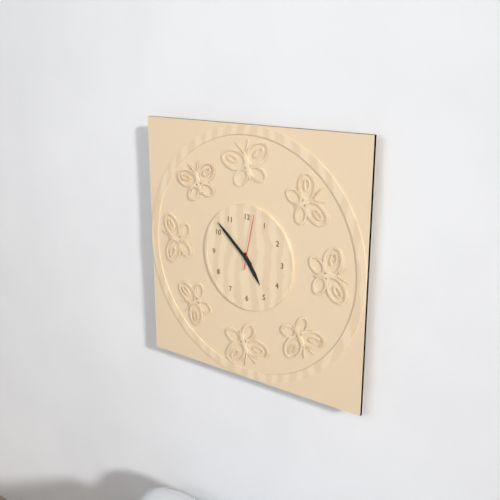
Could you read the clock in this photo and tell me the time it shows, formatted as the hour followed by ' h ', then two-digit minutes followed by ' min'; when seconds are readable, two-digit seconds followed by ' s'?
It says 4 h 52 min 02 s
